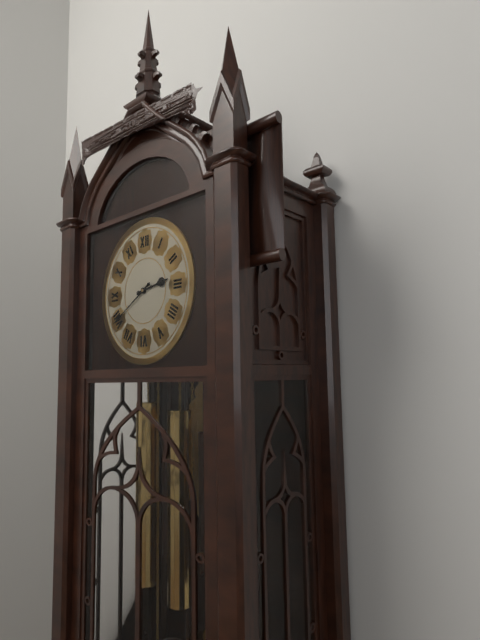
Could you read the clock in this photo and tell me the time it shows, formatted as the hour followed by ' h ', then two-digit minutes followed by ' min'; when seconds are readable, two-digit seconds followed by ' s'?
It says 2 h 40 min
